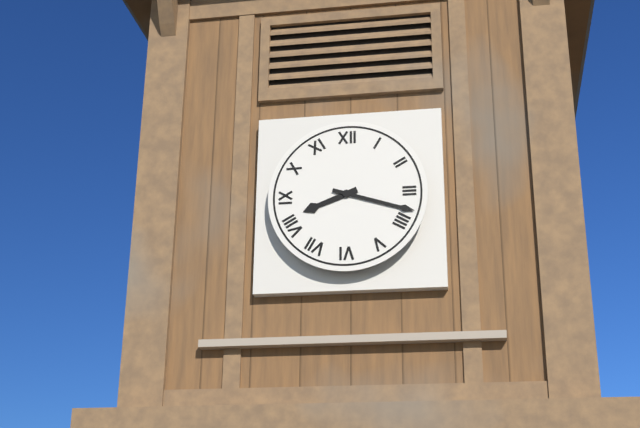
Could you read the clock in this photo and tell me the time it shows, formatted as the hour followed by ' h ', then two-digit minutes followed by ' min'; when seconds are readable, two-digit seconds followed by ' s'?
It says 8 h 18 min
